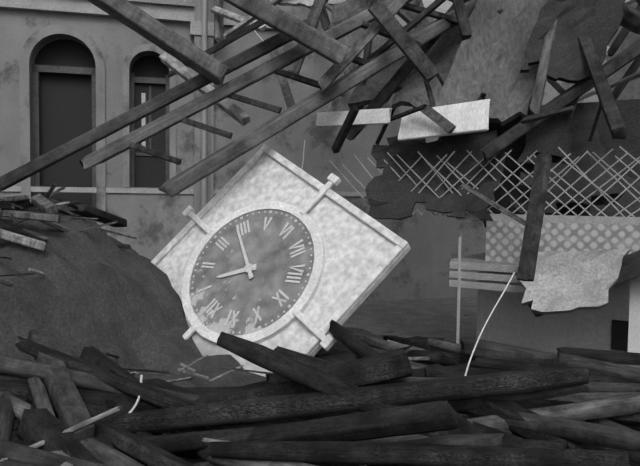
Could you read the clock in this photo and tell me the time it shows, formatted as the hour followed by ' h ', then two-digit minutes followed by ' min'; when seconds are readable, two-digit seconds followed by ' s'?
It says 1 h 19 min
